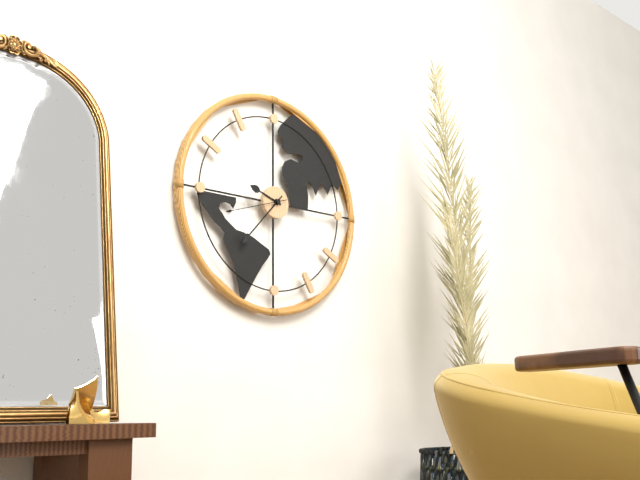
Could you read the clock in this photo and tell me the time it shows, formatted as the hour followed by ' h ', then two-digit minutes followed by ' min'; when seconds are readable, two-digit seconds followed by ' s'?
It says 9 h 37 min 42 s
